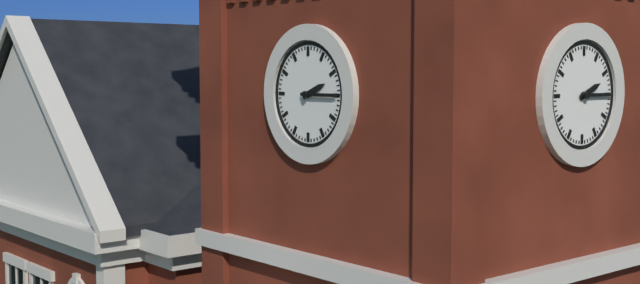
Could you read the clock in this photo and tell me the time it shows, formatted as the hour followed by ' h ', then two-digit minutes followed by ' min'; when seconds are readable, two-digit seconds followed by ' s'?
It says 2 h 15 min
